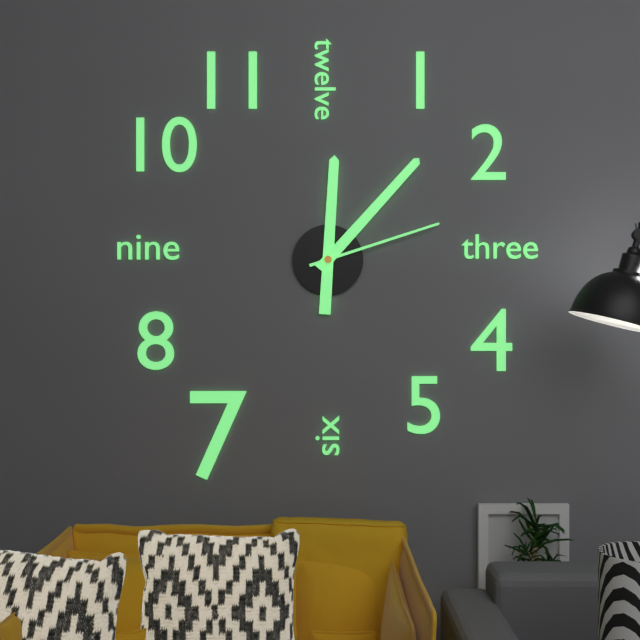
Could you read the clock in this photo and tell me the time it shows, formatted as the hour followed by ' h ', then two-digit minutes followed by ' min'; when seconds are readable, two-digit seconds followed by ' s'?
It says 12 h 07 min 12 s
